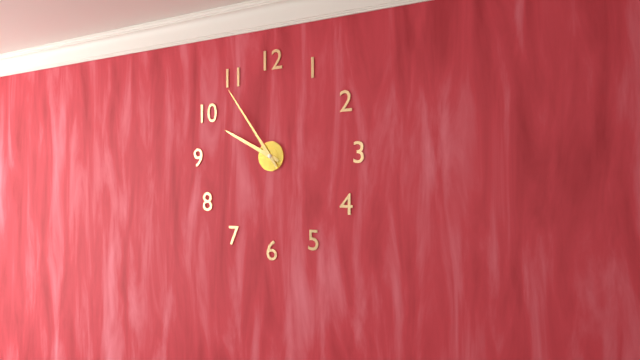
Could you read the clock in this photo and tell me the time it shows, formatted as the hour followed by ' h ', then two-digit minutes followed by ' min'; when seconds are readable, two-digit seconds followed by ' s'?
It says 9 h 54 min
